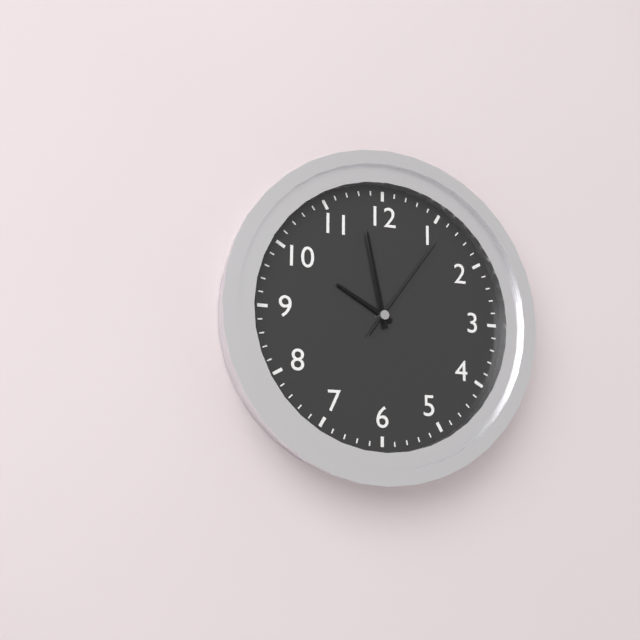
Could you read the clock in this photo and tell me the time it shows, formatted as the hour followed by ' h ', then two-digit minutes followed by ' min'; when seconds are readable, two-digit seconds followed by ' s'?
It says 9 h 58 min 06 s
